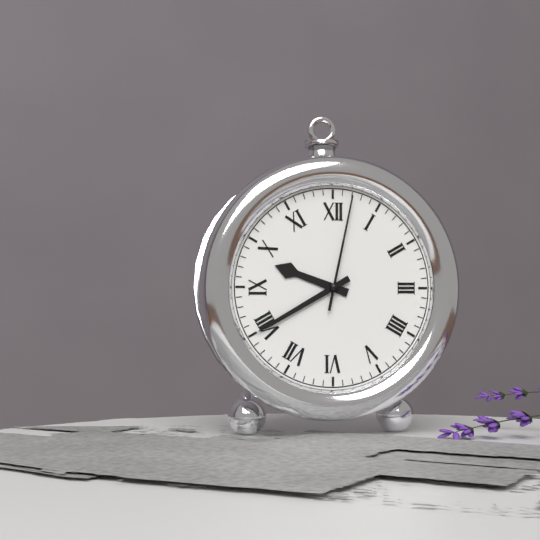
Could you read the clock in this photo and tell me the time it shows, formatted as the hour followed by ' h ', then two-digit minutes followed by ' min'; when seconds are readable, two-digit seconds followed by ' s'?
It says 9 h 40 min 02 s
